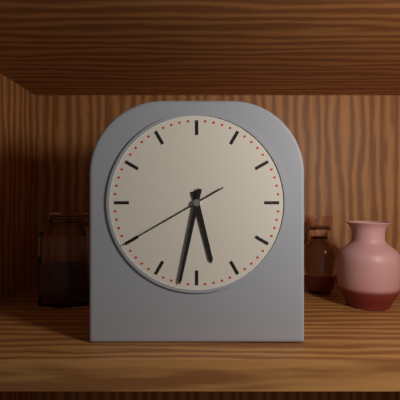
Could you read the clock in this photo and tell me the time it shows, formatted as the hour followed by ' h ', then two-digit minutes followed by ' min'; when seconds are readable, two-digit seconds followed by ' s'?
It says 5 h 32 min 40 s
